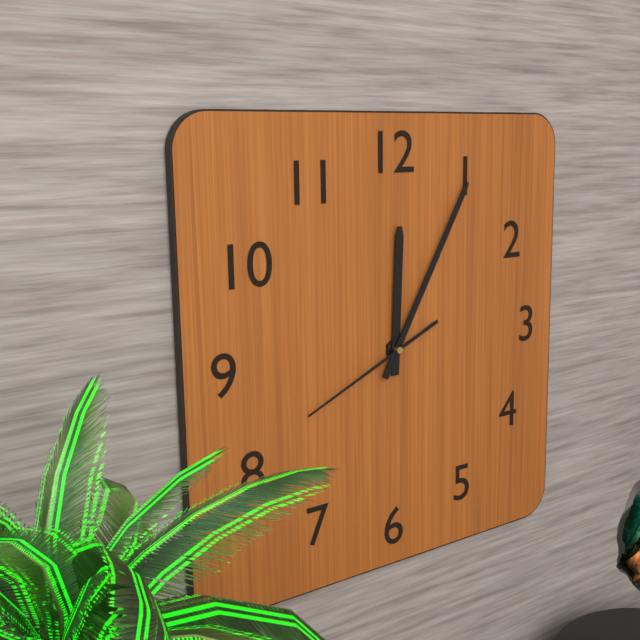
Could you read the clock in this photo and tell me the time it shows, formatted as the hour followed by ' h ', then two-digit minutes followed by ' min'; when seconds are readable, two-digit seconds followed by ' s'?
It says 12 h 05 min 41 s
